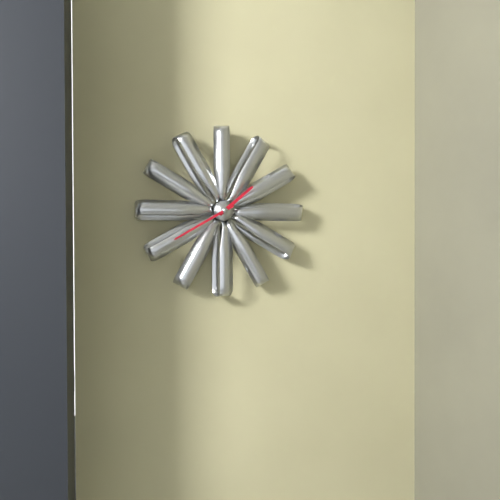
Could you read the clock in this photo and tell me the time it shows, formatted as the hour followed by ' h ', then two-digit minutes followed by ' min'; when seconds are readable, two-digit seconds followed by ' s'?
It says 1 h 40 min
